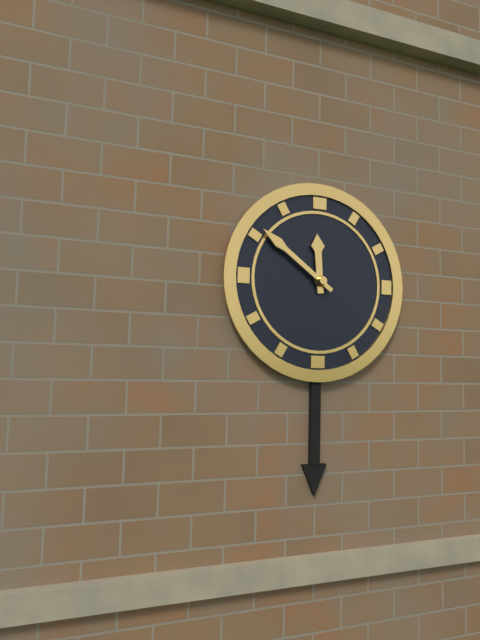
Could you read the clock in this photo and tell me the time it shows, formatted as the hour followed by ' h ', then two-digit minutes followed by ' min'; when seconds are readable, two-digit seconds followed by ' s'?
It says 11 h 51 min
